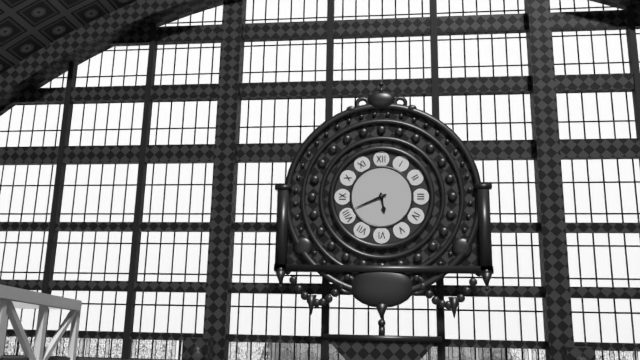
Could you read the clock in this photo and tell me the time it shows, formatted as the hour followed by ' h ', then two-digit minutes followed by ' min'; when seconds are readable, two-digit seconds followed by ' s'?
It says 5 h 41 min
